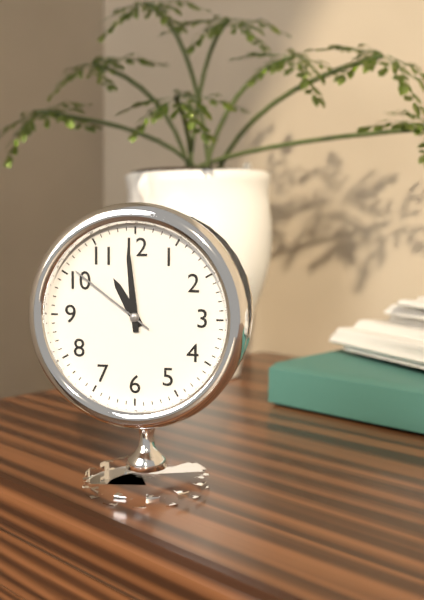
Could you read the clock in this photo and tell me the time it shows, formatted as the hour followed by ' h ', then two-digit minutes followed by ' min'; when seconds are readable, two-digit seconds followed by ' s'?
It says 10 h 59 min 51 s
